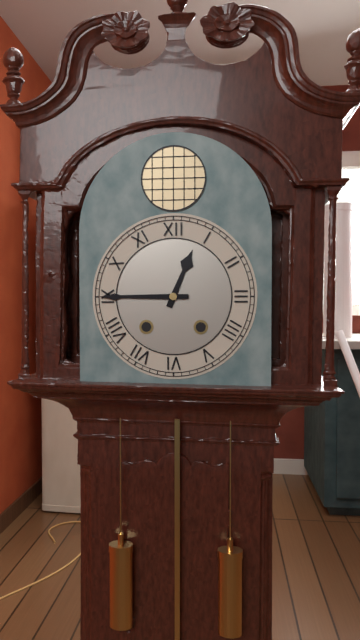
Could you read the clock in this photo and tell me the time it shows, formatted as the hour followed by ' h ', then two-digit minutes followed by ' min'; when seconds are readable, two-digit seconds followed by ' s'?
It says 12 h 45 min
